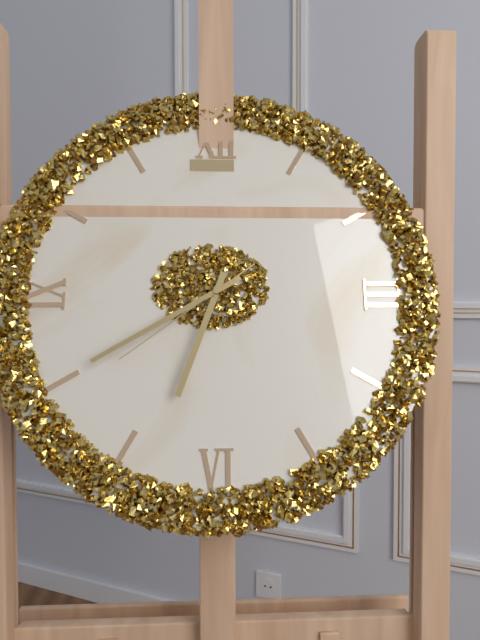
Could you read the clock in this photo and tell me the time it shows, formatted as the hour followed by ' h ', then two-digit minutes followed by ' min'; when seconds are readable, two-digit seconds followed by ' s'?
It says 6 h 40 min 39 s
